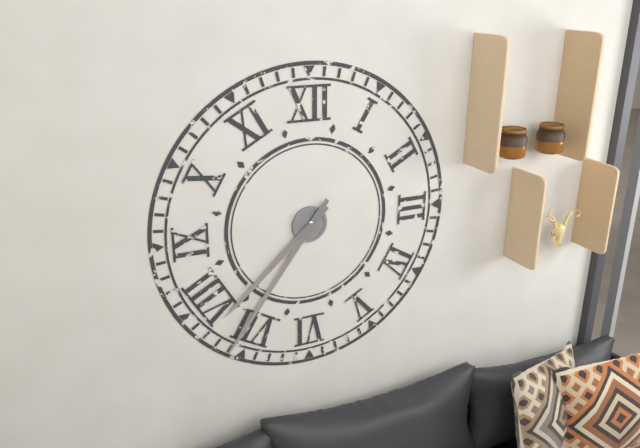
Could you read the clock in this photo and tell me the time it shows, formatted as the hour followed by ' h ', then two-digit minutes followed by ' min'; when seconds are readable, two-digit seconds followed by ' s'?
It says 7 h 36 min
